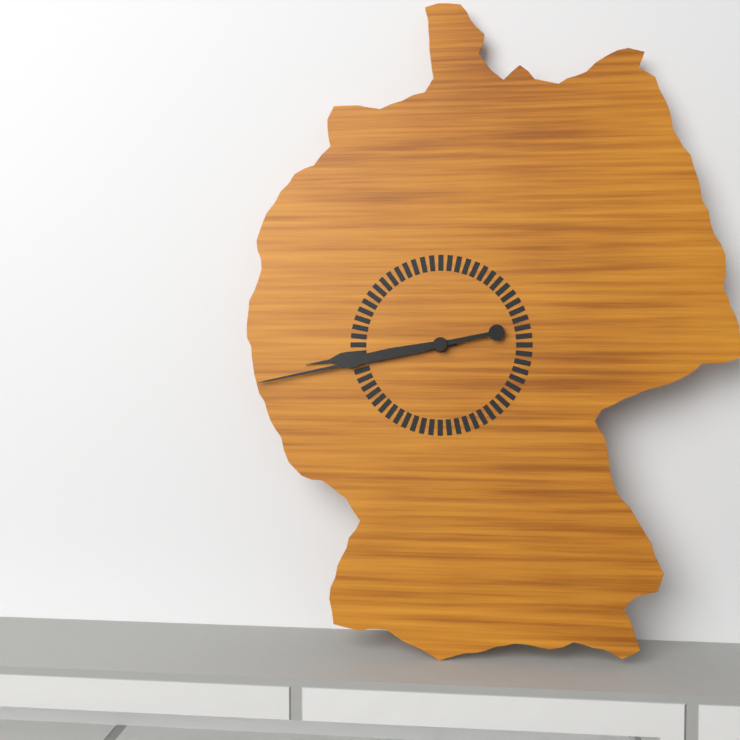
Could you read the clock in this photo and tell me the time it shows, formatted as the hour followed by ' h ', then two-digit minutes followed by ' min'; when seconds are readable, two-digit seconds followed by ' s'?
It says 8 h 43 min
